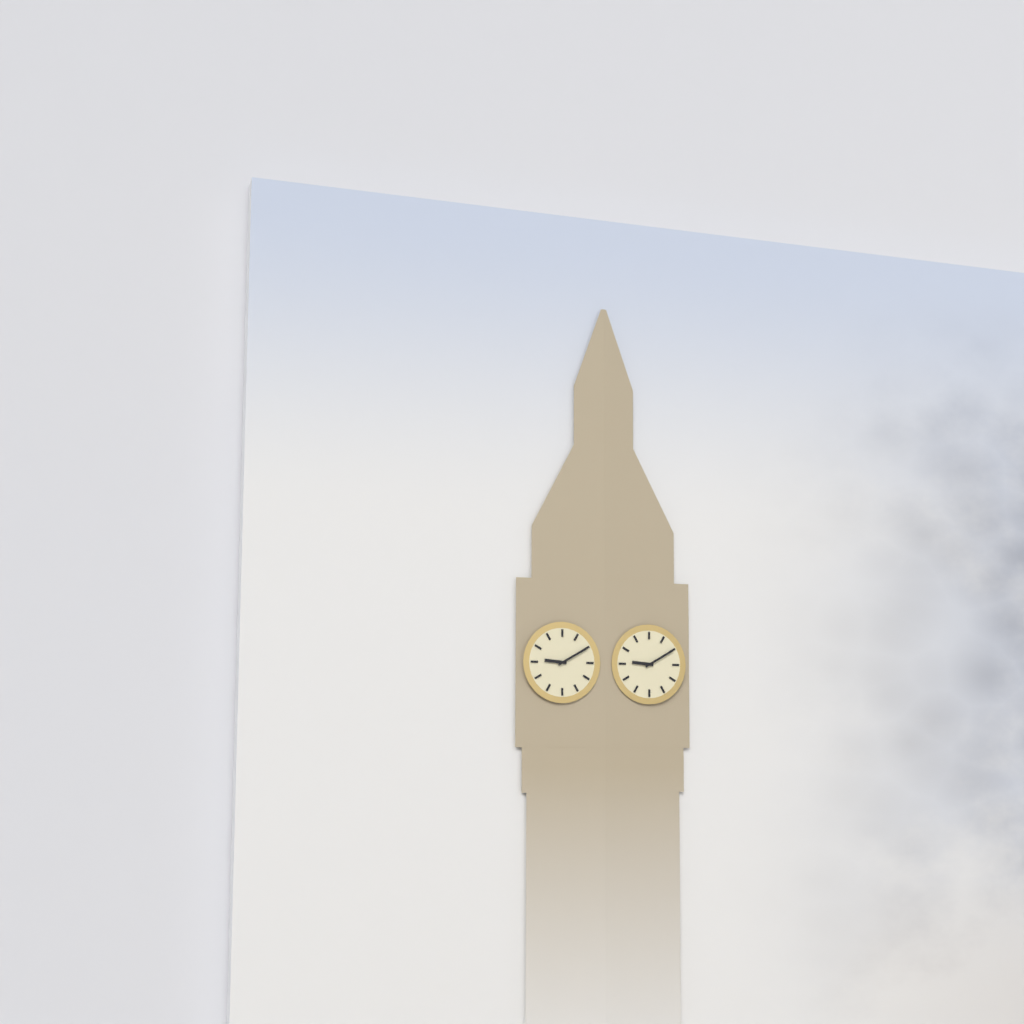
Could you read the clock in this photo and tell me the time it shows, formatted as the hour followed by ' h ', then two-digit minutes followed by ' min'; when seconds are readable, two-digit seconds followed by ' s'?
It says 9 h 10 min
